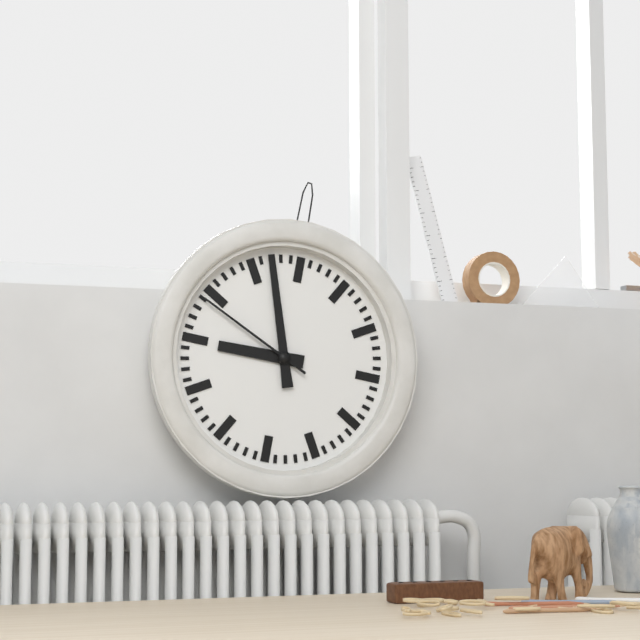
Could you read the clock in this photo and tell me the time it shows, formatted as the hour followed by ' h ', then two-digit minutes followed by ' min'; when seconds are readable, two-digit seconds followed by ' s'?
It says 8 h 57 min 49 s
